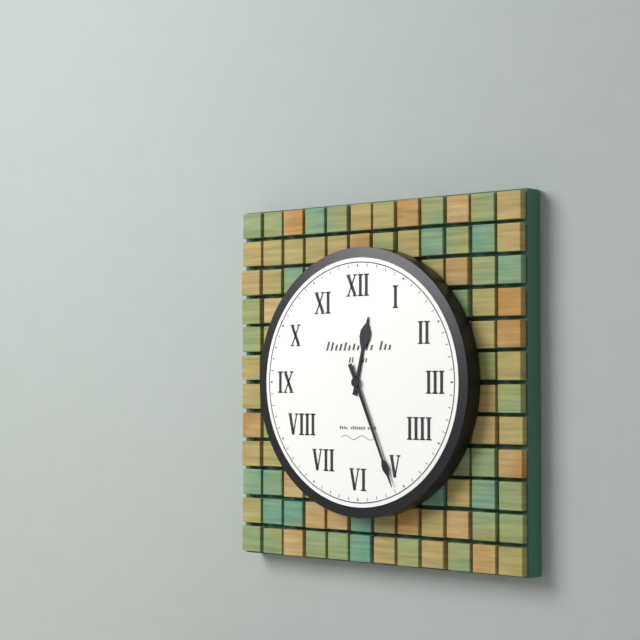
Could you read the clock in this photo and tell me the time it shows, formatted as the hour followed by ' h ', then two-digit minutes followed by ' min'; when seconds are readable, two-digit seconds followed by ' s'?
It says 12 h 26 min
